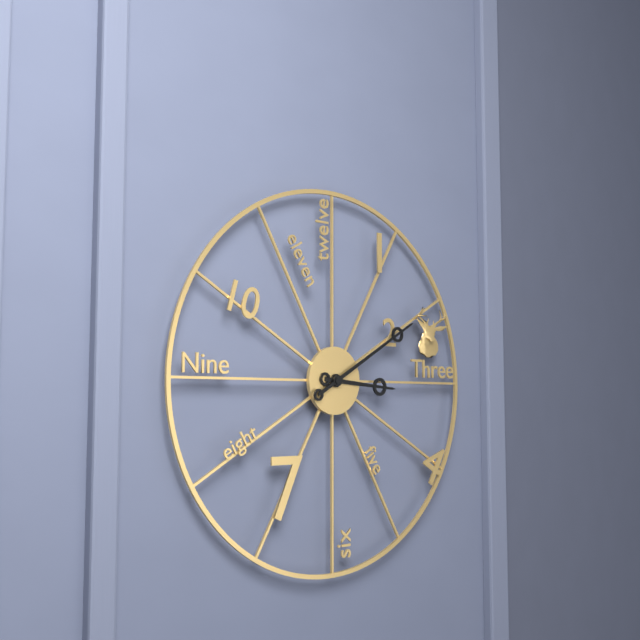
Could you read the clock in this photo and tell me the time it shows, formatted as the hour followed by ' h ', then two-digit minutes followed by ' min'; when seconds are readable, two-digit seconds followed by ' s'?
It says 3 h 10 min
